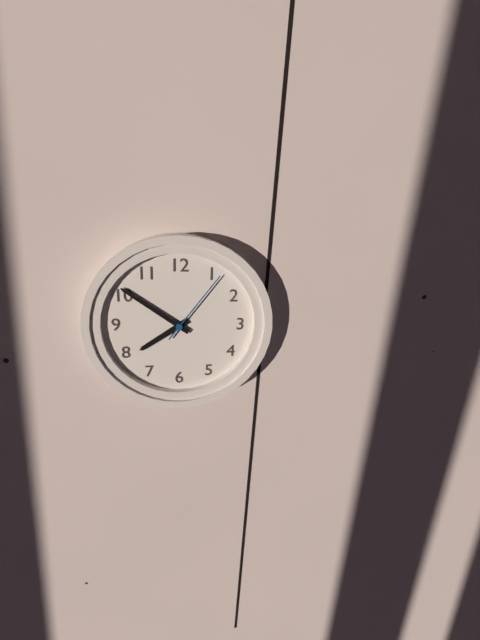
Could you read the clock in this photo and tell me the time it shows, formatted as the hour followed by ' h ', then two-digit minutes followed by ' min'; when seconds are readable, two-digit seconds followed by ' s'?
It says 7 h 51 min 06 s
